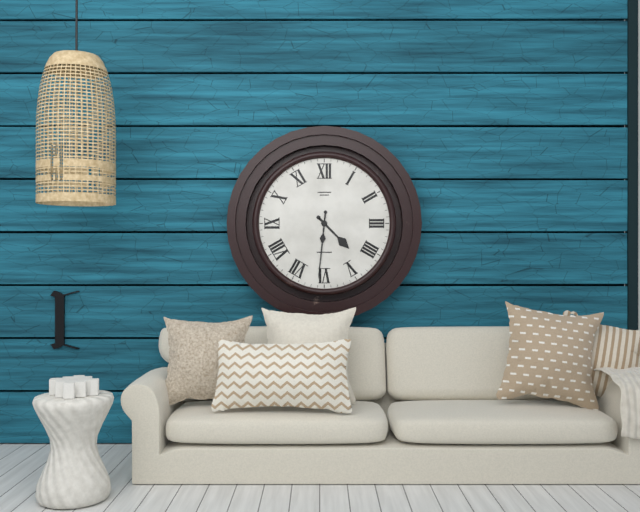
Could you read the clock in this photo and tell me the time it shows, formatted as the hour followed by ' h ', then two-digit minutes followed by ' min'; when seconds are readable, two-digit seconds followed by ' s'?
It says 4 h 31 min
